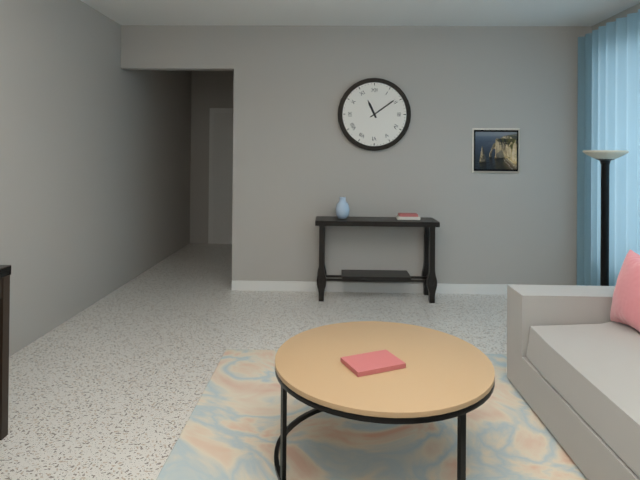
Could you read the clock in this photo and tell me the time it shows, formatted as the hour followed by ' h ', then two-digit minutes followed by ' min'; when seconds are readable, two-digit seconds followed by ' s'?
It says 11 h 09 min
